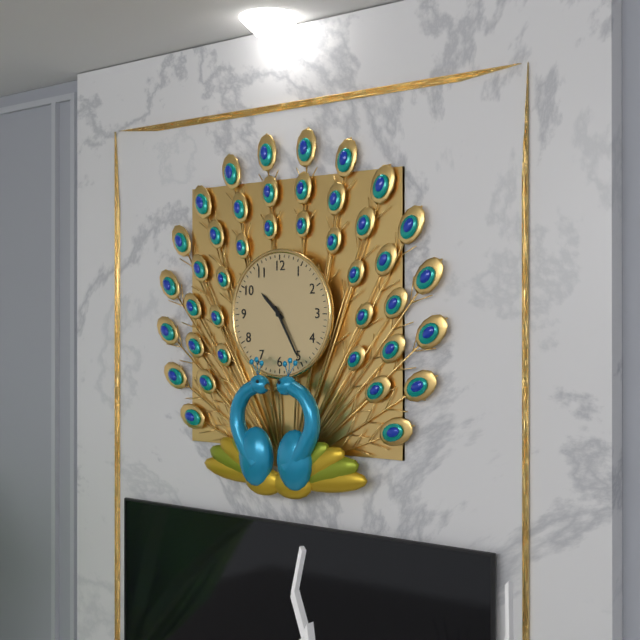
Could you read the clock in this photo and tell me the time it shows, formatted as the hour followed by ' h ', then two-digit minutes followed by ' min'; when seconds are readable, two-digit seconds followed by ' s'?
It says 10 h 25 min
